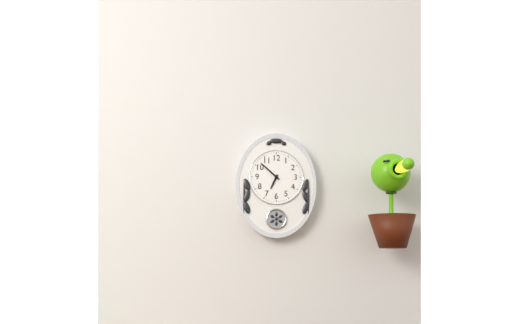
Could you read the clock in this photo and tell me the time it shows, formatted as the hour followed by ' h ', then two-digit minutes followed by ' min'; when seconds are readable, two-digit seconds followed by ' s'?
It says 6 h 52 min
